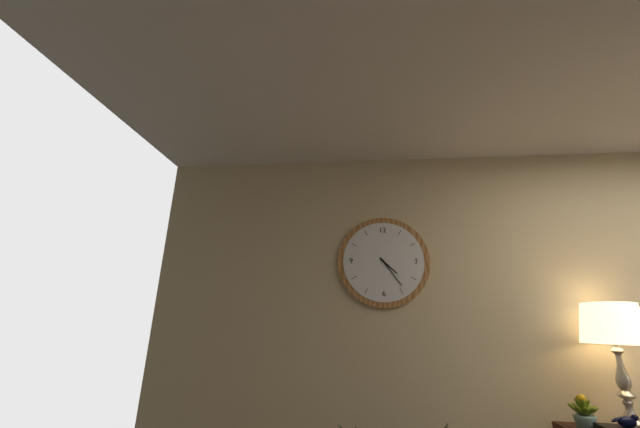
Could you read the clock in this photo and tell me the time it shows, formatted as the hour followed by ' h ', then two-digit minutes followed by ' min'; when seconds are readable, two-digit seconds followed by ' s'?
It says 4 h 24 min
